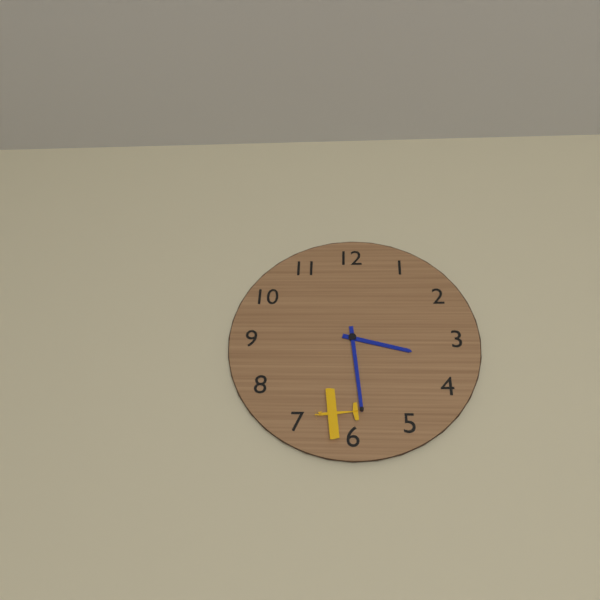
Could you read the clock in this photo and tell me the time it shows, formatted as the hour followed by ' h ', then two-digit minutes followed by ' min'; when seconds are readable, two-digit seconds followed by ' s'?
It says 3 h 29 min
